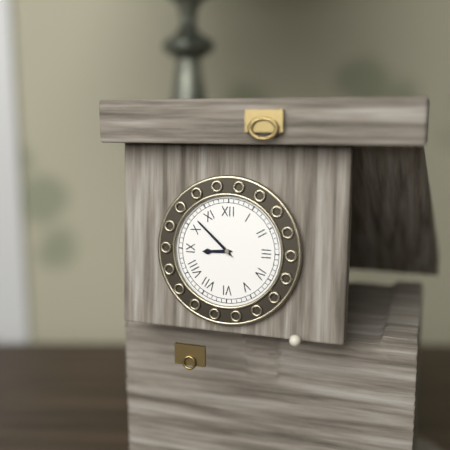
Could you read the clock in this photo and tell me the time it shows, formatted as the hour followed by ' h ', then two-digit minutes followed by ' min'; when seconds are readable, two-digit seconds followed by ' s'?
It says 8 h 52 min
